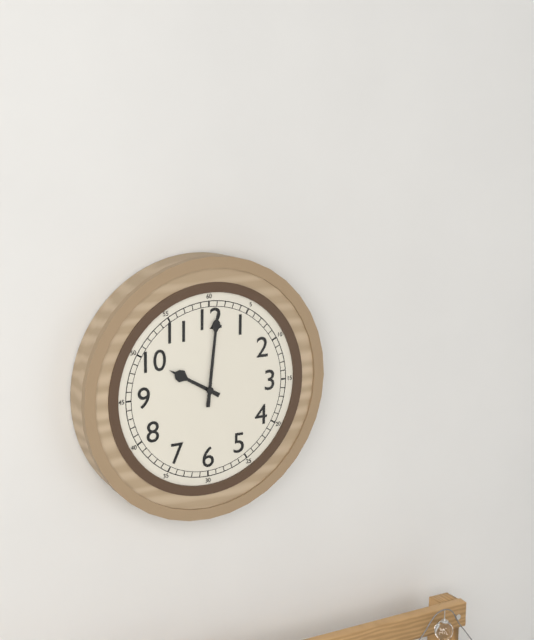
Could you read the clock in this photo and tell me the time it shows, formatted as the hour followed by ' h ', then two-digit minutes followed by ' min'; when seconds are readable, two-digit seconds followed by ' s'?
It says 10 h 01 min
